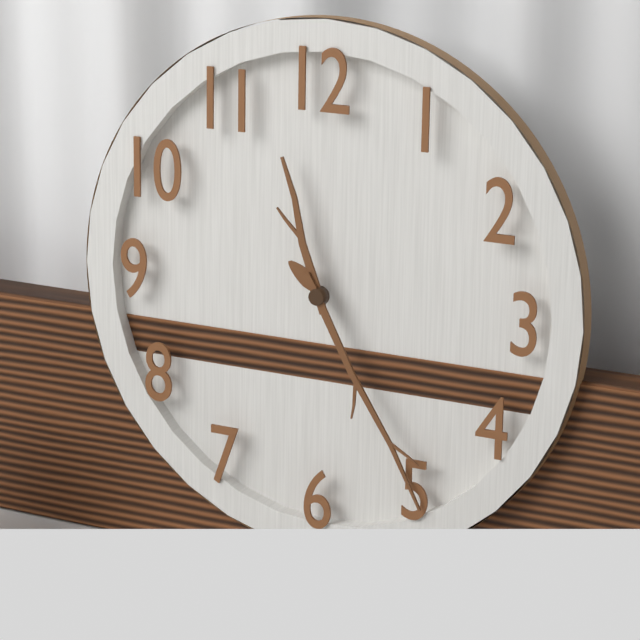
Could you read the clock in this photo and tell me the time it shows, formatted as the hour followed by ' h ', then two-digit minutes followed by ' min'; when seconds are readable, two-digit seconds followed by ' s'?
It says 11 h 25 min
